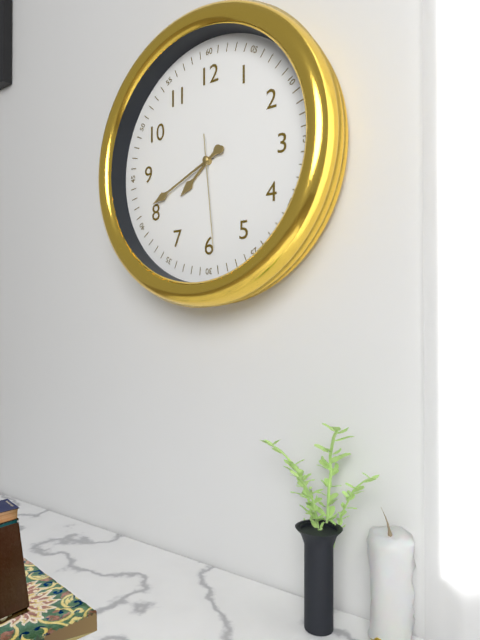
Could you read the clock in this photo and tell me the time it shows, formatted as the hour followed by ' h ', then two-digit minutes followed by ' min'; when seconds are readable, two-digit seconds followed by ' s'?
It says 7 h 41 min 29 s
